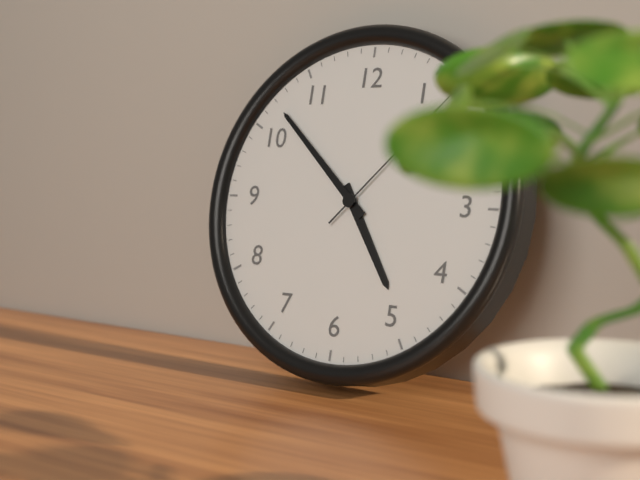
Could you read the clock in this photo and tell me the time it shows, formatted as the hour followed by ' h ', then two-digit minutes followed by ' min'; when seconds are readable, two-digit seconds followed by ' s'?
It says 4 h 52 min
